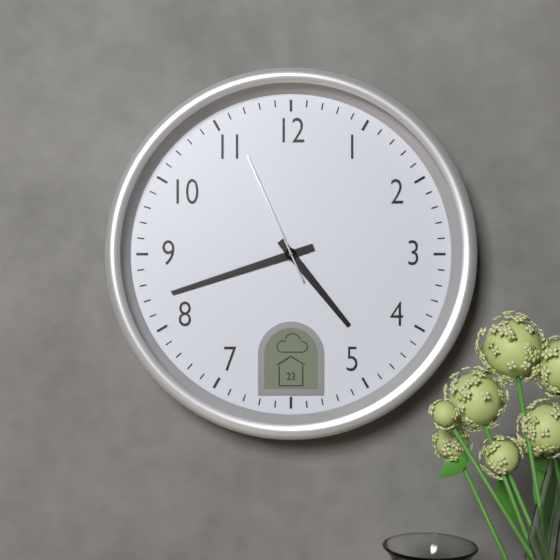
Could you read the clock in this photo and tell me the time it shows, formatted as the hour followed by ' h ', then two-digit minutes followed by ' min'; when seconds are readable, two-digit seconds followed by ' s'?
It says 4 h 42 min 56 s
